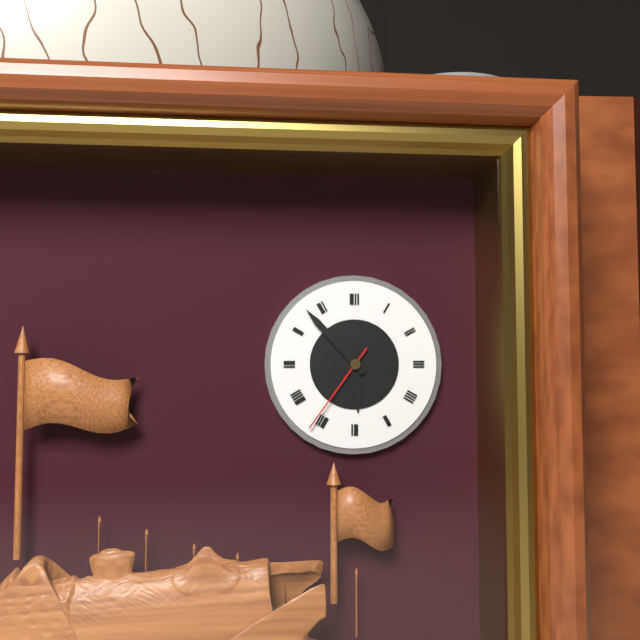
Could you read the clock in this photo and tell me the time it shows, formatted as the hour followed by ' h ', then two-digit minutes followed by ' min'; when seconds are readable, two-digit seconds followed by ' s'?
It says 5 h 53 min 36 s
